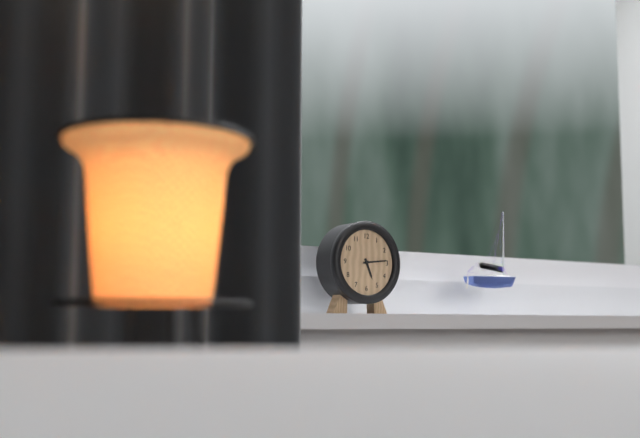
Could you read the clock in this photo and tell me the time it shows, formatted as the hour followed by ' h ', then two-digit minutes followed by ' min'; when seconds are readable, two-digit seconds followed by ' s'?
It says 5 h 14 min
